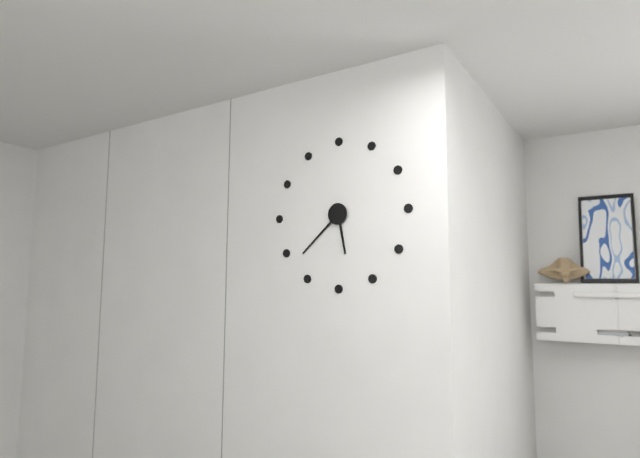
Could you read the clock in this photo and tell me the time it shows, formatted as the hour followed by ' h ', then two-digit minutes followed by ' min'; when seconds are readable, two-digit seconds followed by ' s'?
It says 5 h 38 min
